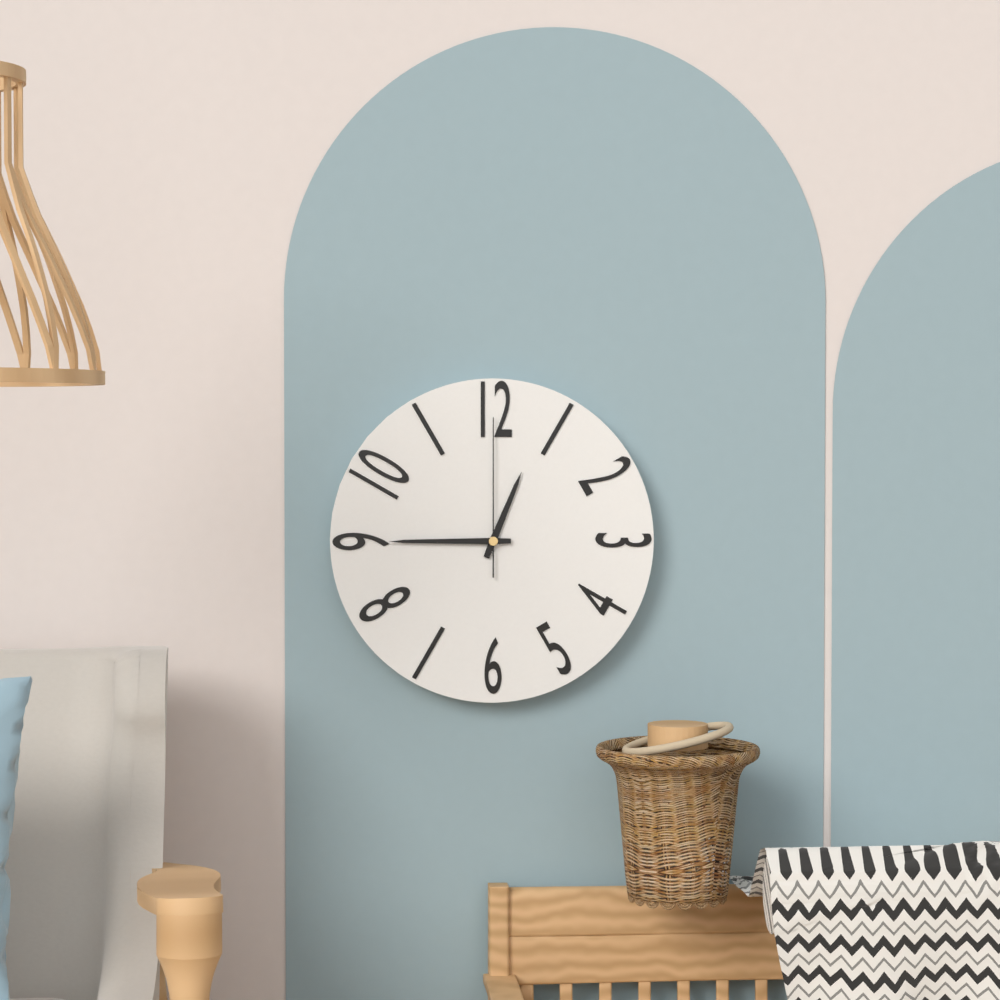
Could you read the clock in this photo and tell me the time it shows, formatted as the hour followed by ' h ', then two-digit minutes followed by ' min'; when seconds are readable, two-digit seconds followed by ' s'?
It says 12 h 45 min 00 s
